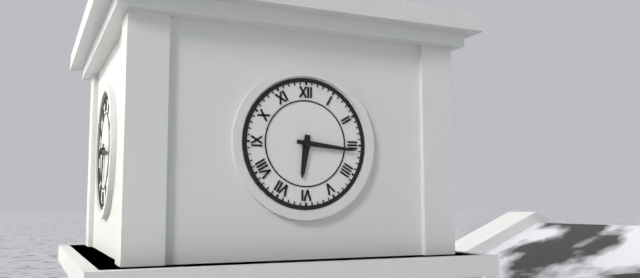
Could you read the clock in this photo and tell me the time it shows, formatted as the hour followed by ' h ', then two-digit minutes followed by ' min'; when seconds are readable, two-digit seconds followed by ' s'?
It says 6 h 16 min
